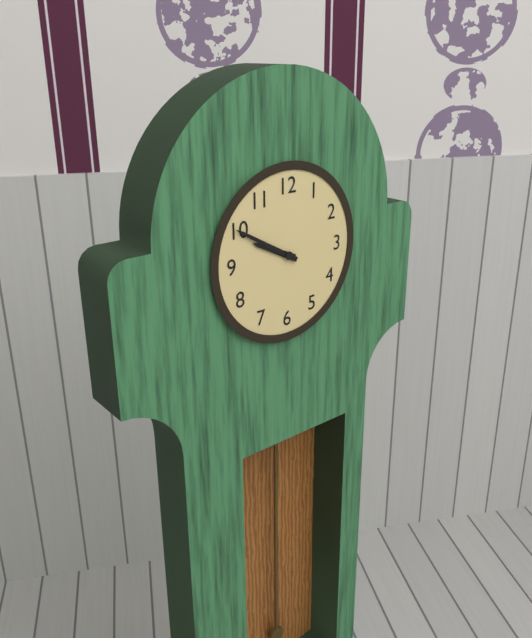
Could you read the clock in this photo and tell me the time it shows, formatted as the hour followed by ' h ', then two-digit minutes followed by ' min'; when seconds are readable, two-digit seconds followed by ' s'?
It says 9 h 50 min
